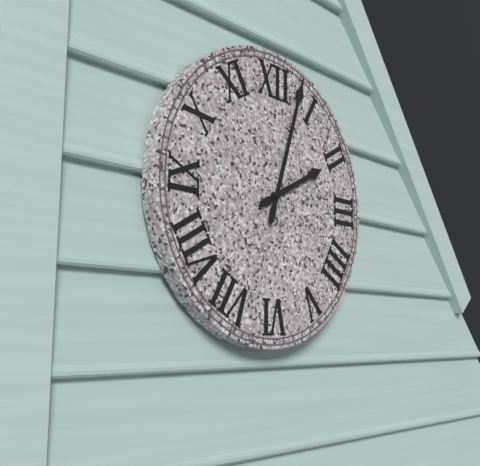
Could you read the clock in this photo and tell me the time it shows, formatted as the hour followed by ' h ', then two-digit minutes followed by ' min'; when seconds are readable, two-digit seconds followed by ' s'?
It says 2 h 03 min
